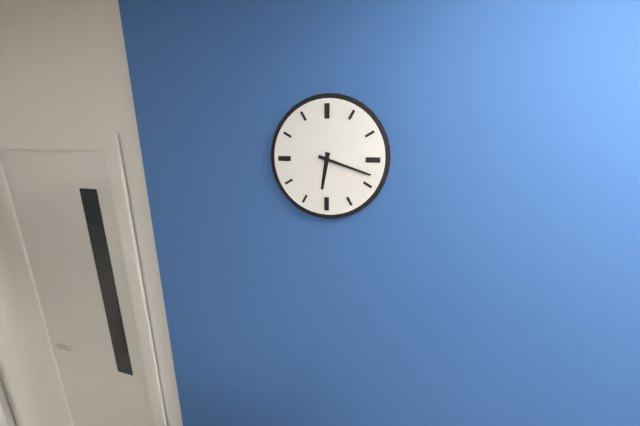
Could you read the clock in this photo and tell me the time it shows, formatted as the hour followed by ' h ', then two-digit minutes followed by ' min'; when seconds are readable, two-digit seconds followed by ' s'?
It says 6 h 18 min
